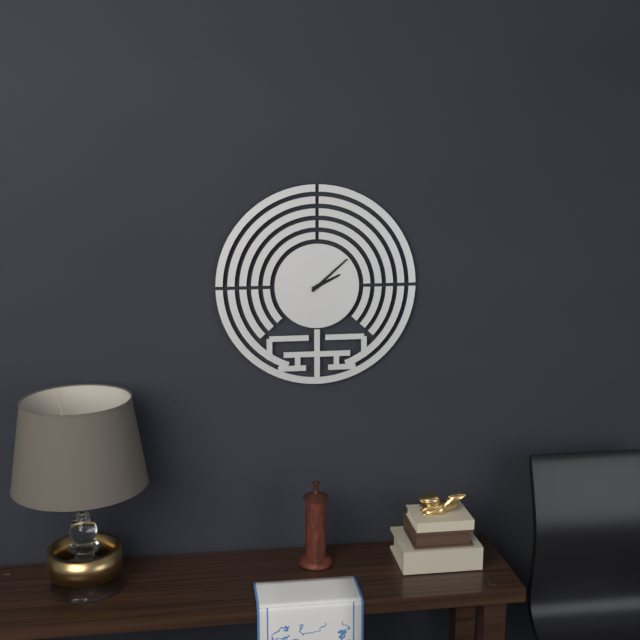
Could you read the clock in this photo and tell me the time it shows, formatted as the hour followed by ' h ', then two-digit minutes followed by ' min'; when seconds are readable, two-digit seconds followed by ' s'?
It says 2 h 08 min
